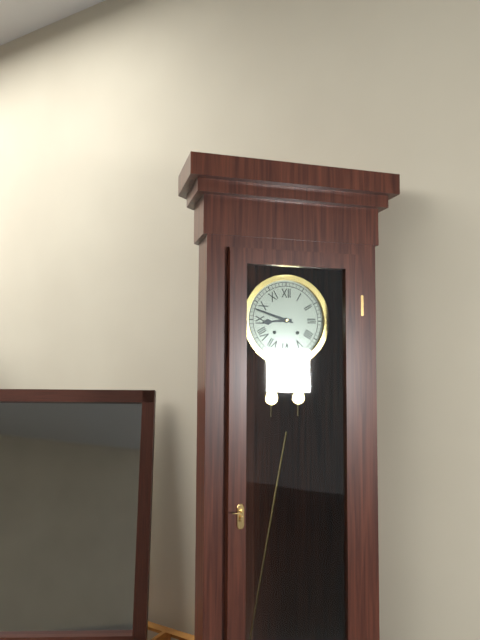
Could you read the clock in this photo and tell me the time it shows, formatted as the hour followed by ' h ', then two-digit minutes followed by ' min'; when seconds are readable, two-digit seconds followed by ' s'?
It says 8 h 48 min
